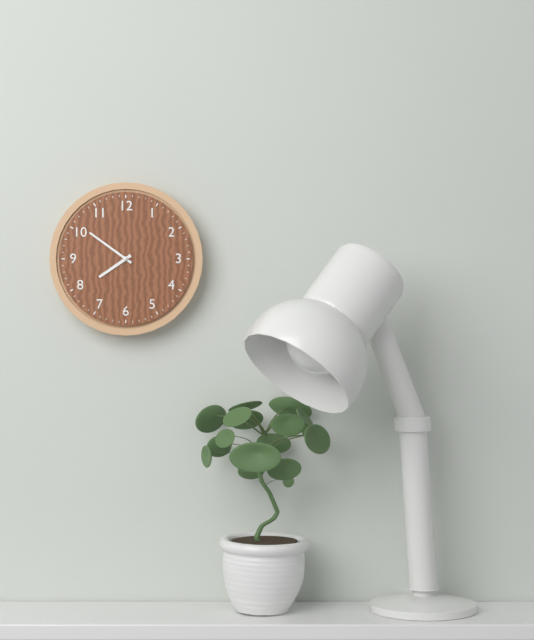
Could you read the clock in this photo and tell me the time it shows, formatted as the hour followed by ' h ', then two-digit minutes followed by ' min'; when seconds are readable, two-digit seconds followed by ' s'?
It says 7 h 51 min
